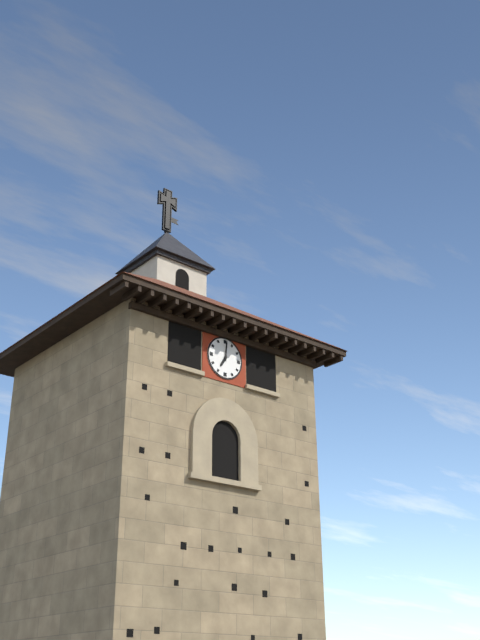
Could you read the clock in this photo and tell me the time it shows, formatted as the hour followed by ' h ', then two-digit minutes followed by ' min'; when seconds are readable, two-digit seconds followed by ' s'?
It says 7 h 01 min
